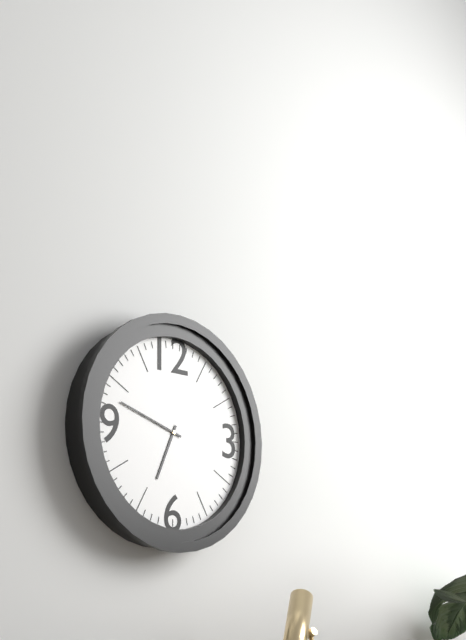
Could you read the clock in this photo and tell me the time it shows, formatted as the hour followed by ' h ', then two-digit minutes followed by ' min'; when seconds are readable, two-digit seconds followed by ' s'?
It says 6 h 48 min
